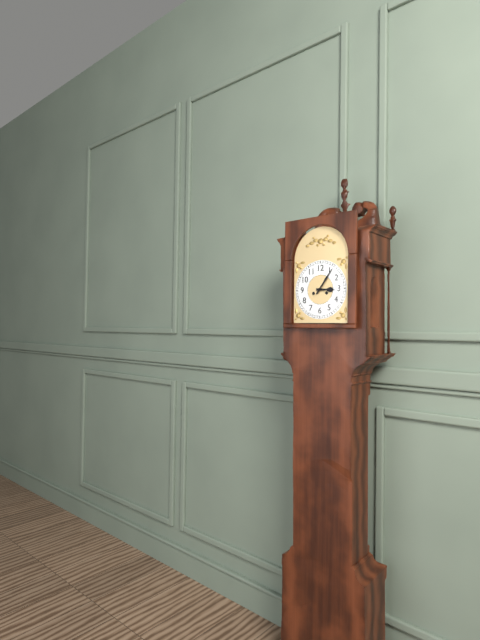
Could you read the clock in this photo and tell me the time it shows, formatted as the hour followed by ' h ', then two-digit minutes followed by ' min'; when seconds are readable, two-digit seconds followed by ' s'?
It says 3 h 06 min
